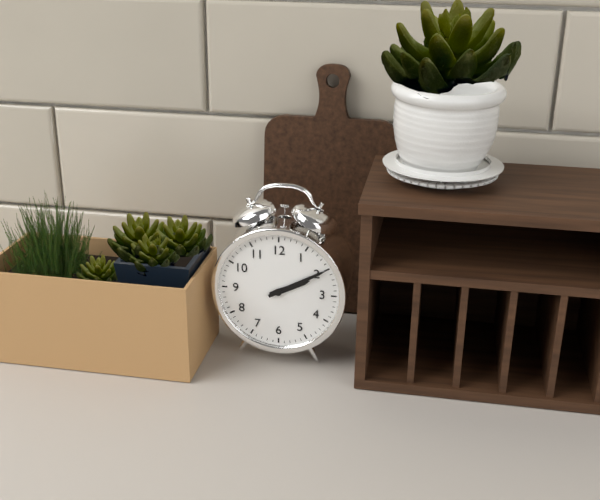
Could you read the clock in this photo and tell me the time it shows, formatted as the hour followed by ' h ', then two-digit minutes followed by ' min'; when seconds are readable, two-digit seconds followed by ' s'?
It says 2 h 10 min
